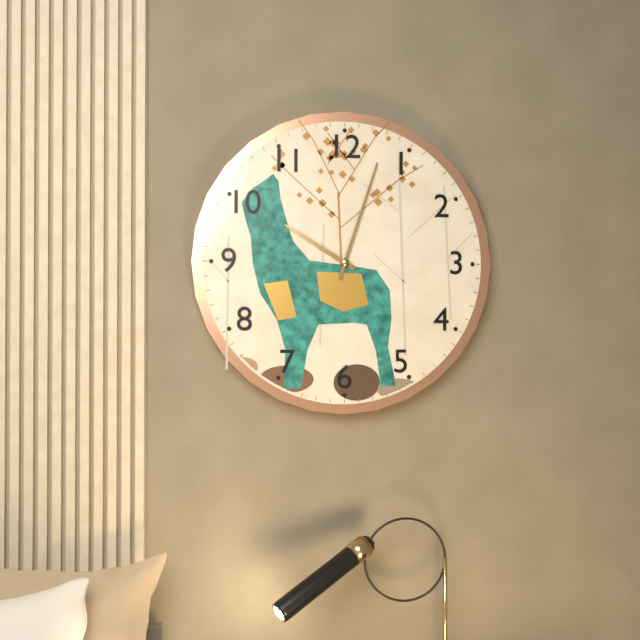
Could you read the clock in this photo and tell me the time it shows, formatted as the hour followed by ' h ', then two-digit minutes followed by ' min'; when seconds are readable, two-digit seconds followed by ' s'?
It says 10 h 03 min
